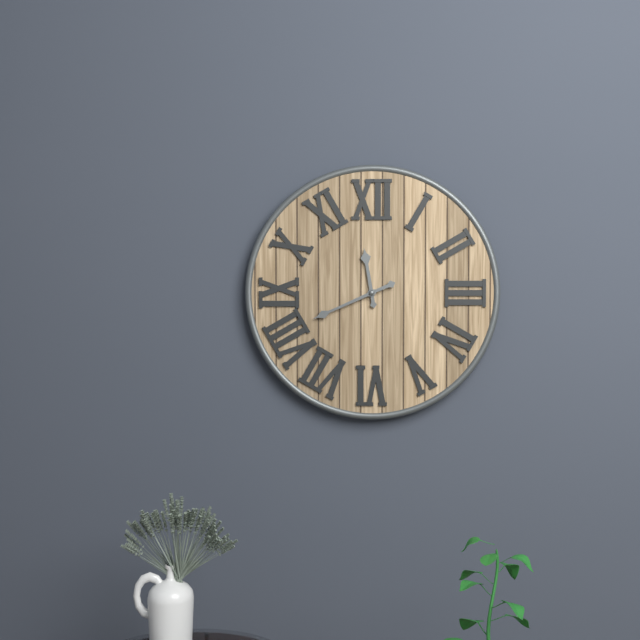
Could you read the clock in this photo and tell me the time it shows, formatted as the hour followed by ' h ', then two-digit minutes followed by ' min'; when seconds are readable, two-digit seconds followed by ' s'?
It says 11 h 41 min
